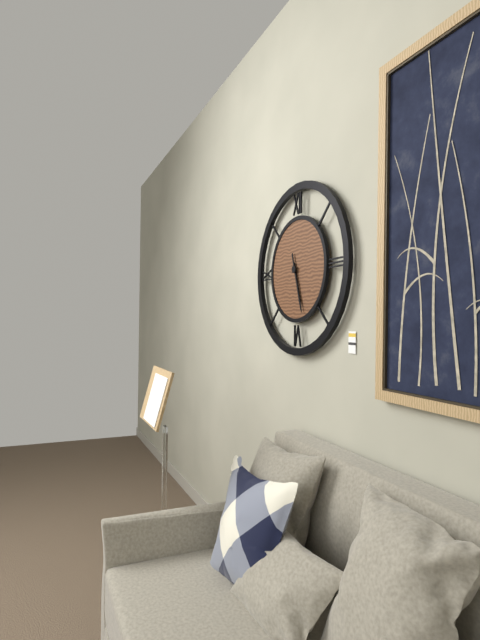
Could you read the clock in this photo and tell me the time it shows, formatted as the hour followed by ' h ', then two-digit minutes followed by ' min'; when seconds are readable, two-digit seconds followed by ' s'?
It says 5 h 27 min
